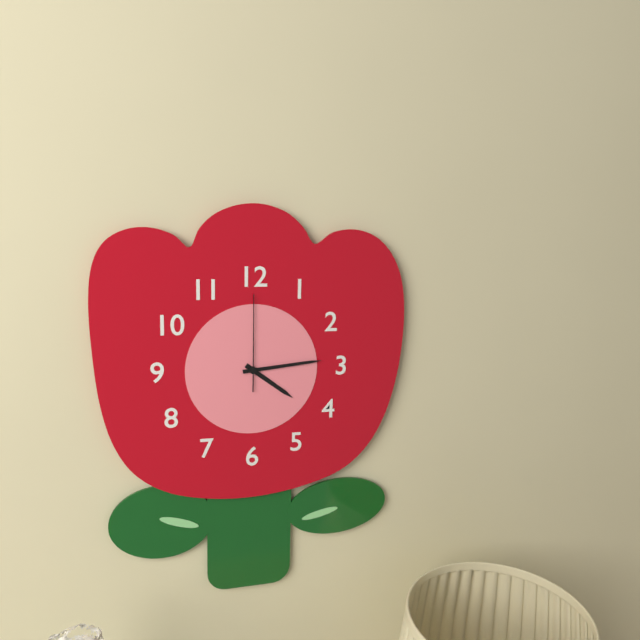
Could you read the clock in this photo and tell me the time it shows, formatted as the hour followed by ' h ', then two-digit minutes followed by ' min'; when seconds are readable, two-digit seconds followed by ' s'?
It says 4 h 14 min 00 s
